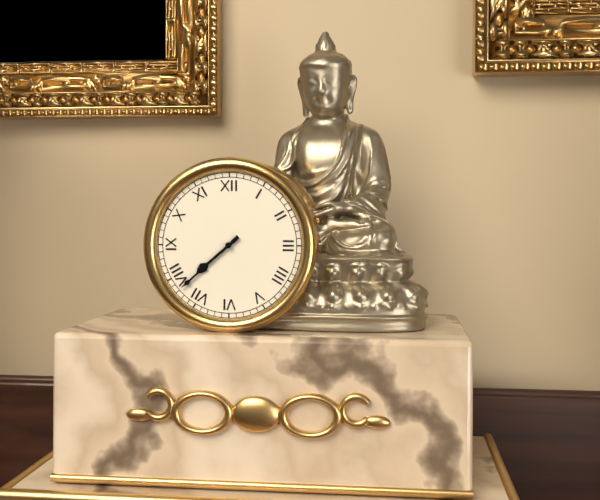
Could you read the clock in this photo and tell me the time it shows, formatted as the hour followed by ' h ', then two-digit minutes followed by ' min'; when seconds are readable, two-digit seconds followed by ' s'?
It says 7 h 38 min
